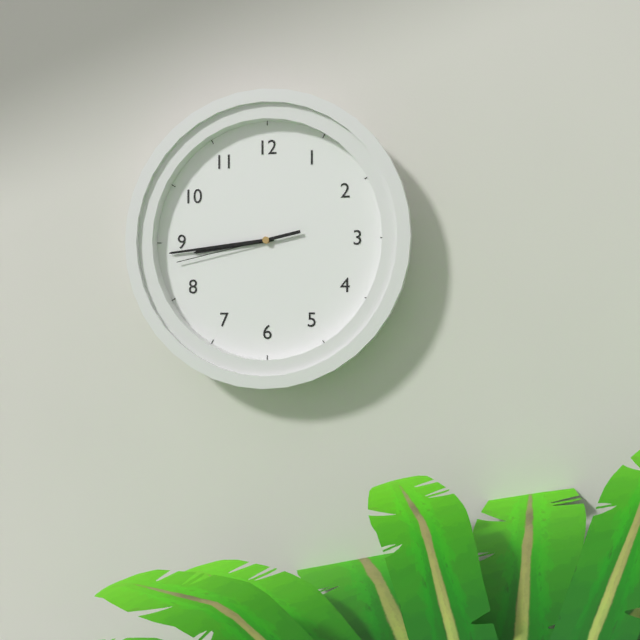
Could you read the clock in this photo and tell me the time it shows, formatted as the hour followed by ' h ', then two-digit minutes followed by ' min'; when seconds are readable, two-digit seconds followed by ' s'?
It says 8 h 44 min 43 s
